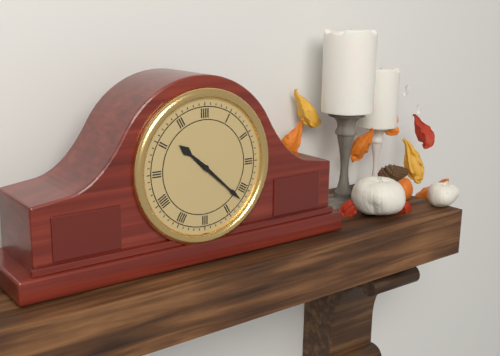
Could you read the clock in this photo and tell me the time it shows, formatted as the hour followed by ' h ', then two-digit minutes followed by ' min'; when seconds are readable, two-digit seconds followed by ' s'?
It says 10 h 22 min
